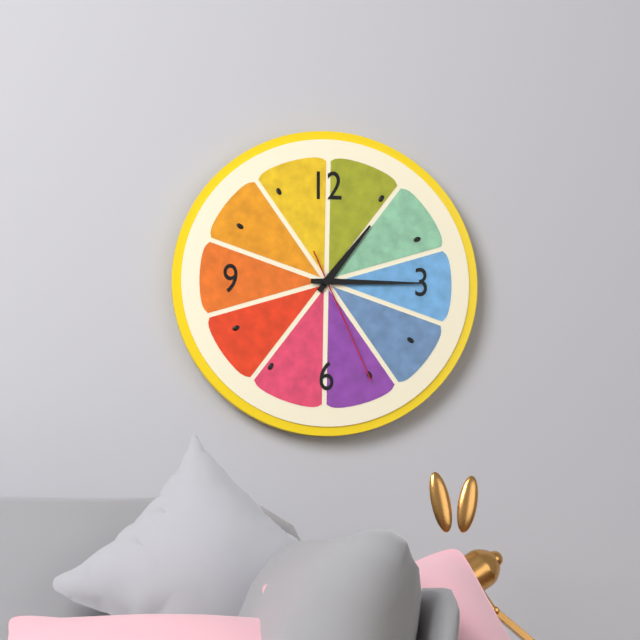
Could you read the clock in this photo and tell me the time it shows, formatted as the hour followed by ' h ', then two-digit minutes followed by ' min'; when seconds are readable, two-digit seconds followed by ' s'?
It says 1 h 15 min 26 s
